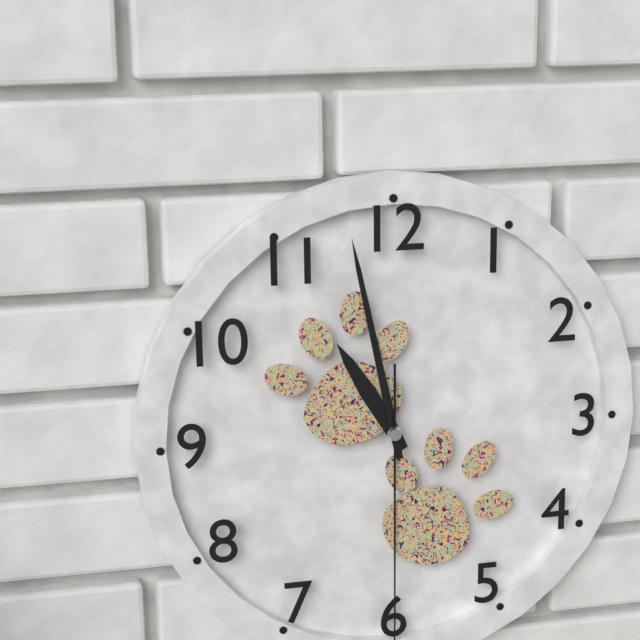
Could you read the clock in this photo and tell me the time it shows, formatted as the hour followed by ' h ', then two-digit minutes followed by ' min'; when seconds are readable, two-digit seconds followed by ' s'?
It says 10 h 58 min
